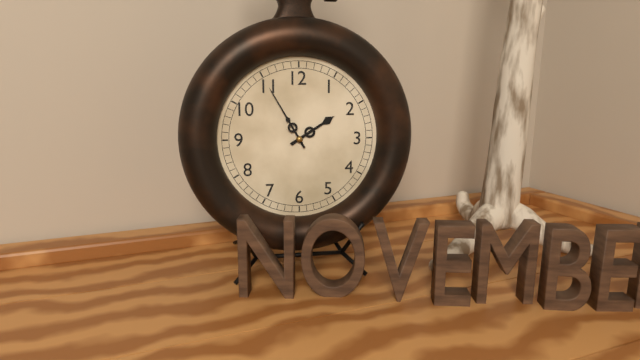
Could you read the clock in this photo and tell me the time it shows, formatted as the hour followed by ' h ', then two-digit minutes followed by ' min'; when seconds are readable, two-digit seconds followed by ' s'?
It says 1 h 55 min
